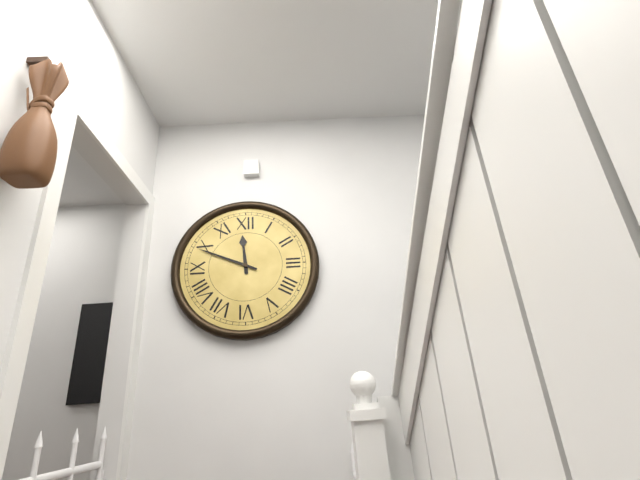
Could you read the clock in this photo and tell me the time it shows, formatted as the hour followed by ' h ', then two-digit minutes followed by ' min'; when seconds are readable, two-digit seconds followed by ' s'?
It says 11 h 49 min
